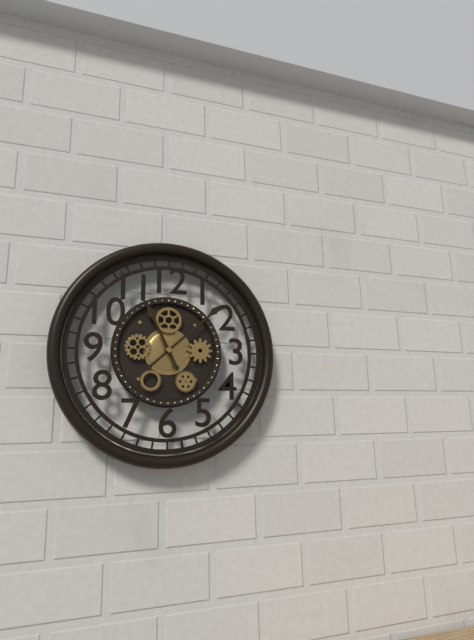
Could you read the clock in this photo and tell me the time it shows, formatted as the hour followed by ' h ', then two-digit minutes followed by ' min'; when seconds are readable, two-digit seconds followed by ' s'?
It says 11 h 08 min
